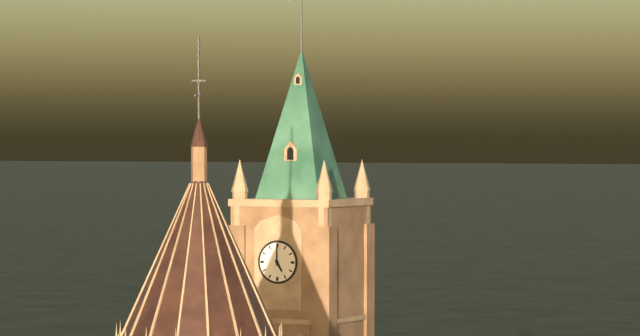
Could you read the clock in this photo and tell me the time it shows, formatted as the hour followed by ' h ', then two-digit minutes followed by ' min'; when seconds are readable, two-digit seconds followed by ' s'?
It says 5 h 00 min
